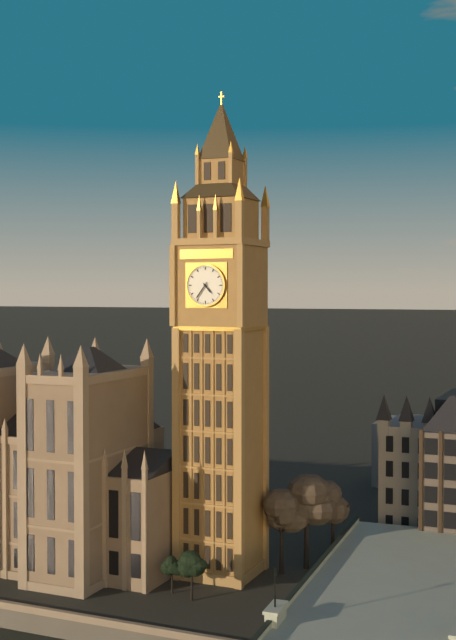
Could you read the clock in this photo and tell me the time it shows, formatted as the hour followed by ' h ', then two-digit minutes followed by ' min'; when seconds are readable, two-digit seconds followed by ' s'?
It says 4 h 36 min
